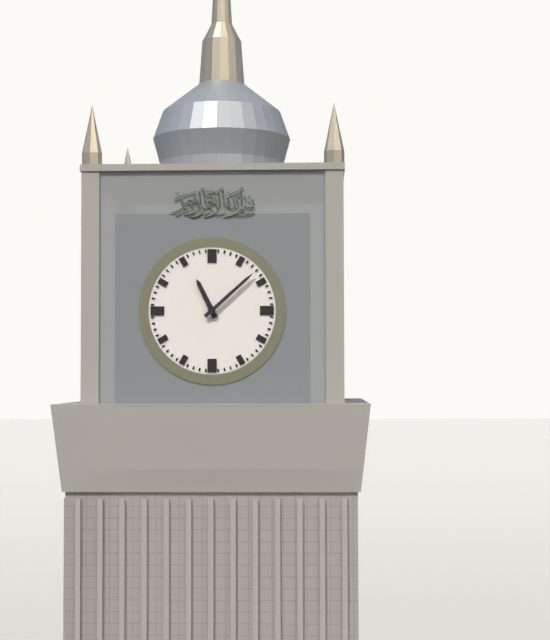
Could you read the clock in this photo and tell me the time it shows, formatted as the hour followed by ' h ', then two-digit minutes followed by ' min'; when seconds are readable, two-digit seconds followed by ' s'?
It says 11 h 08 min
